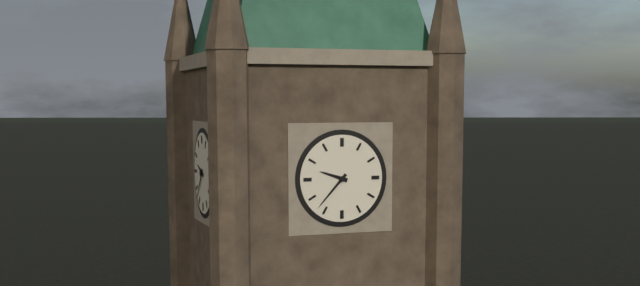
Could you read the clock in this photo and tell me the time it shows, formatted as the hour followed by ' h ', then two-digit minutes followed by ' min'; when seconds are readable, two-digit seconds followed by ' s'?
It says 9 h 37 min
